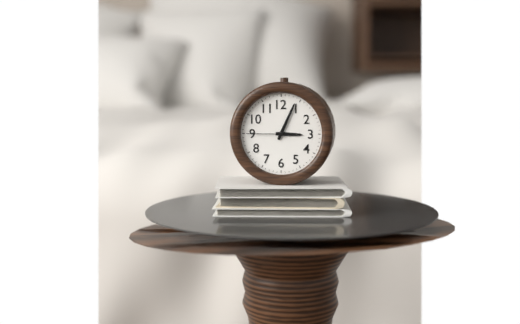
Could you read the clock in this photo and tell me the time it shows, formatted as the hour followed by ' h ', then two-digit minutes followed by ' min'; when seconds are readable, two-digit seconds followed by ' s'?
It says 3 h 04 min
